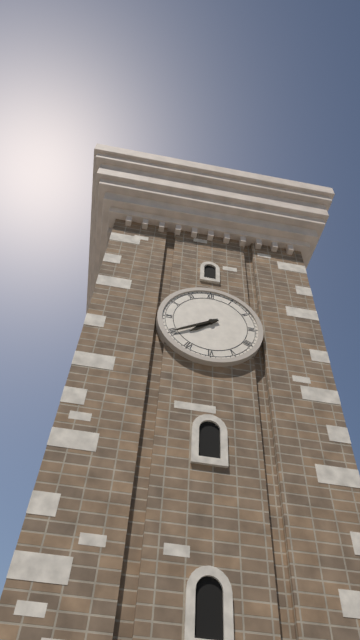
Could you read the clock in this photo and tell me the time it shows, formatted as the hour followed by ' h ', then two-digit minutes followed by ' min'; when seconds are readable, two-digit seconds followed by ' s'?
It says 7 h 40 min
